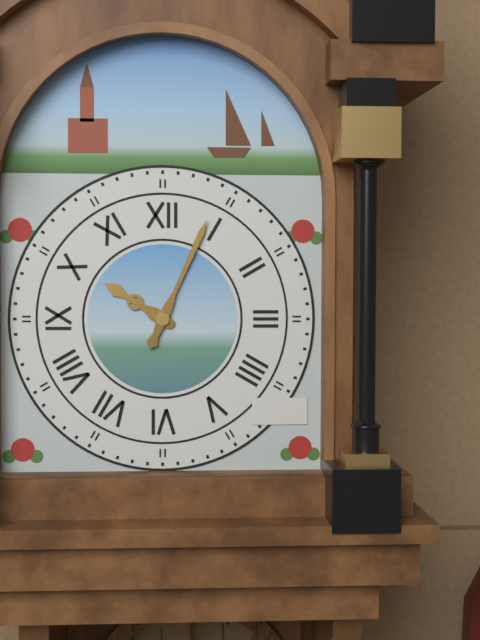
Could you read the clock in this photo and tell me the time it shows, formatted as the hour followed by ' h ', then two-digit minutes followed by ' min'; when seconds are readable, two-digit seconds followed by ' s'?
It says 10 h 04 min
